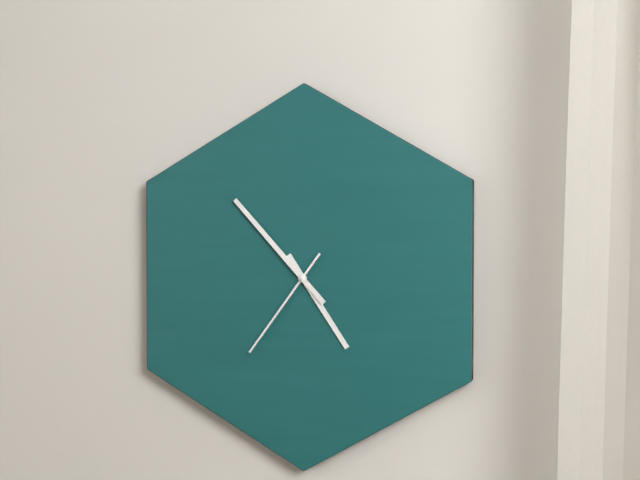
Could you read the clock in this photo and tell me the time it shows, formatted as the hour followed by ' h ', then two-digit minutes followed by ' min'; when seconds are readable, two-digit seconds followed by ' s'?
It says 4 h 53 min 36 s
